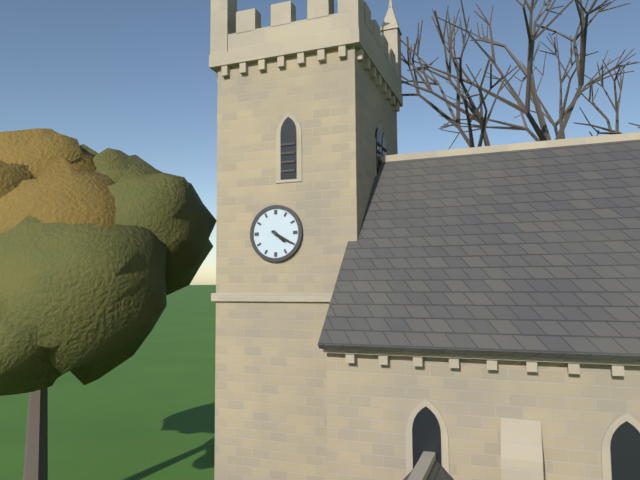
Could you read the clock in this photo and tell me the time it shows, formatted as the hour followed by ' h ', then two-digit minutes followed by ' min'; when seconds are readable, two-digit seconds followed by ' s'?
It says 4 h 20 min
